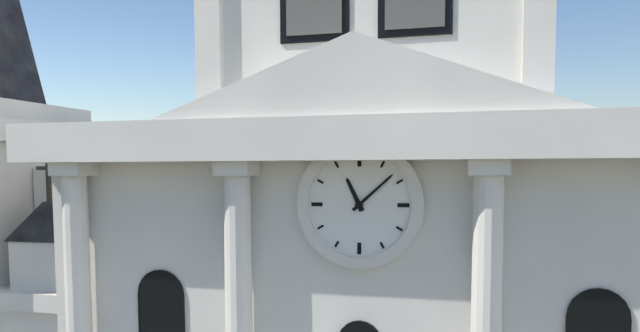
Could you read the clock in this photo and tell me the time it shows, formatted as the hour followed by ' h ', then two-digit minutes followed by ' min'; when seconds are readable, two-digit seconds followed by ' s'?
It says 11 h 08 min
